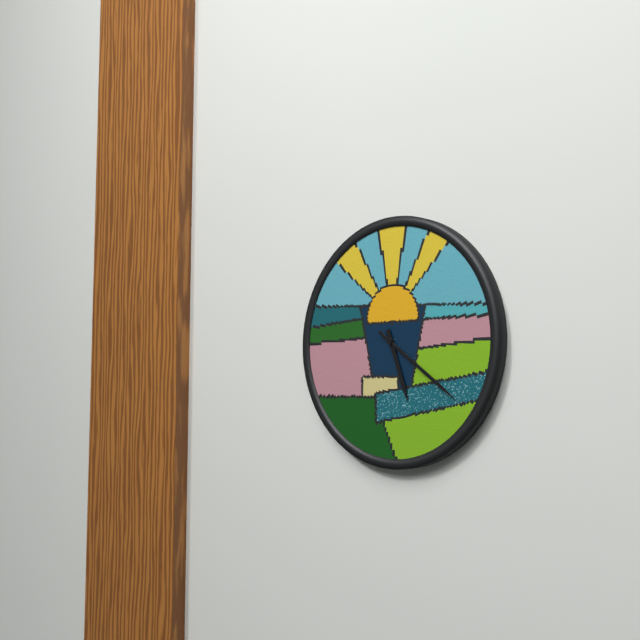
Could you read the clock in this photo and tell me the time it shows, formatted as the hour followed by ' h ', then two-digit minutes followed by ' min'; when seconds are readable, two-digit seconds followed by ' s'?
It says 5 h 21 min
